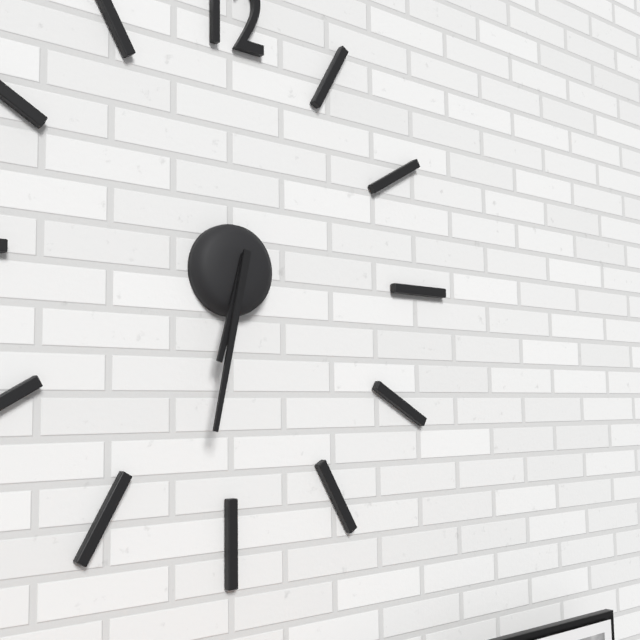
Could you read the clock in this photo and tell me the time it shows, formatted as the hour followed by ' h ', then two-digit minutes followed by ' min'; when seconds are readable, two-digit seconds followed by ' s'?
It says 6 h 32 min
